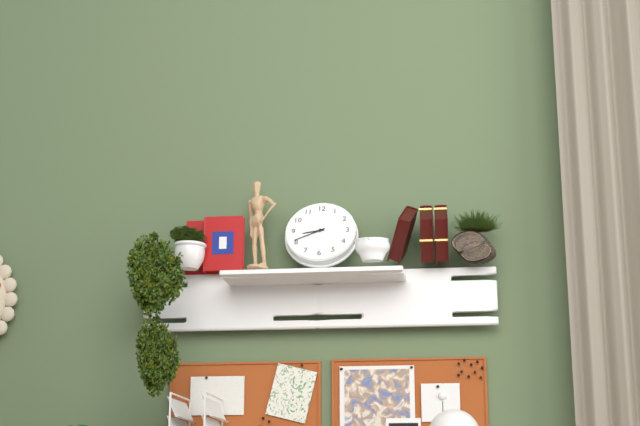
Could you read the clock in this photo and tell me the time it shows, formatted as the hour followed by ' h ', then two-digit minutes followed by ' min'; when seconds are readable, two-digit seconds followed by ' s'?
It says 8 h 41 min
